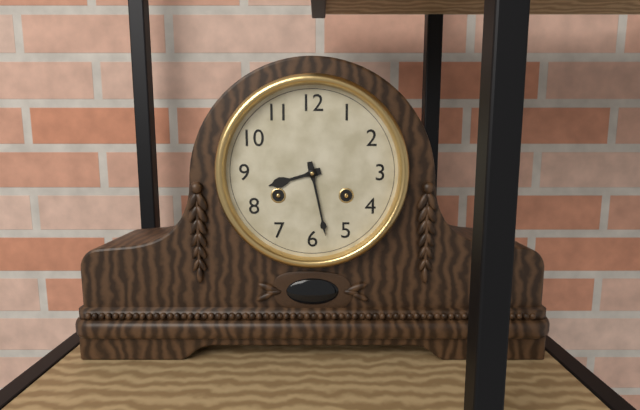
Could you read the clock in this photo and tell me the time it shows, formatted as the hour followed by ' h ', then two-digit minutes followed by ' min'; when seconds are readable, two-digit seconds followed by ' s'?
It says 8 h 28 min
